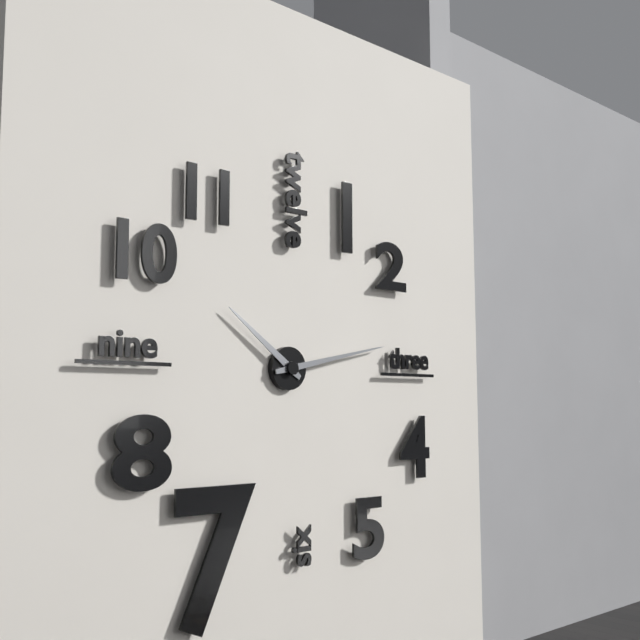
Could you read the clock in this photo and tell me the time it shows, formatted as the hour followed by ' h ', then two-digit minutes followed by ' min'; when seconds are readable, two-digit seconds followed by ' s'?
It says 10 h 13 min
